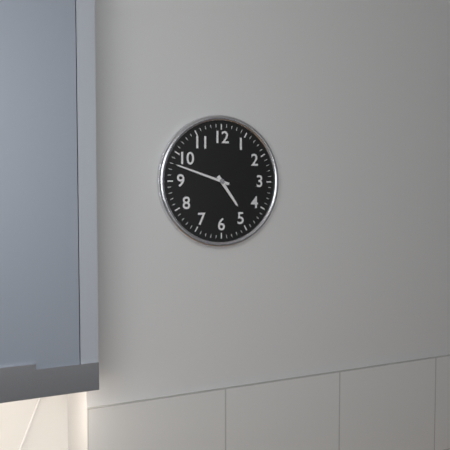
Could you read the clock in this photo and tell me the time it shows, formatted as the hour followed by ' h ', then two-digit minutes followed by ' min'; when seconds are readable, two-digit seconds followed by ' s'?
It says 4 h 48 min
